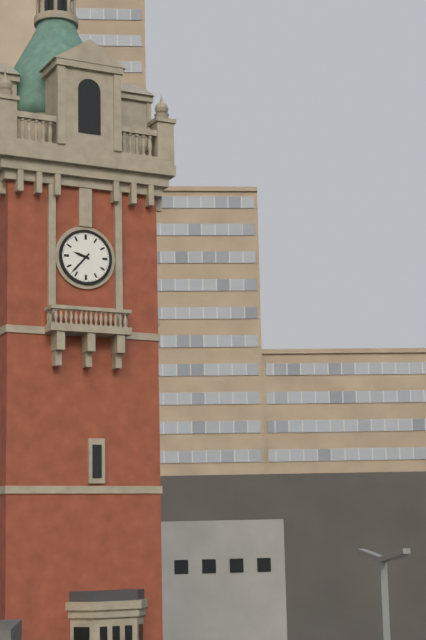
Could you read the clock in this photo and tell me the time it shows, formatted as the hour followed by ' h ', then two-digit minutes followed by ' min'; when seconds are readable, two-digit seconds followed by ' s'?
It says 9 h 37 min
